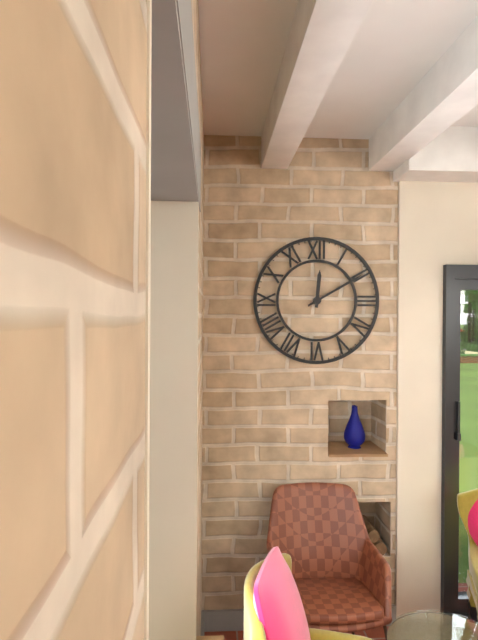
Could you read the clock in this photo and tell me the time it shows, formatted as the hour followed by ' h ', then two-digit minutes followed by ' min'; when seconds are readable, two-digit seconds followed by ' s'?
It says 12 h 10 min
